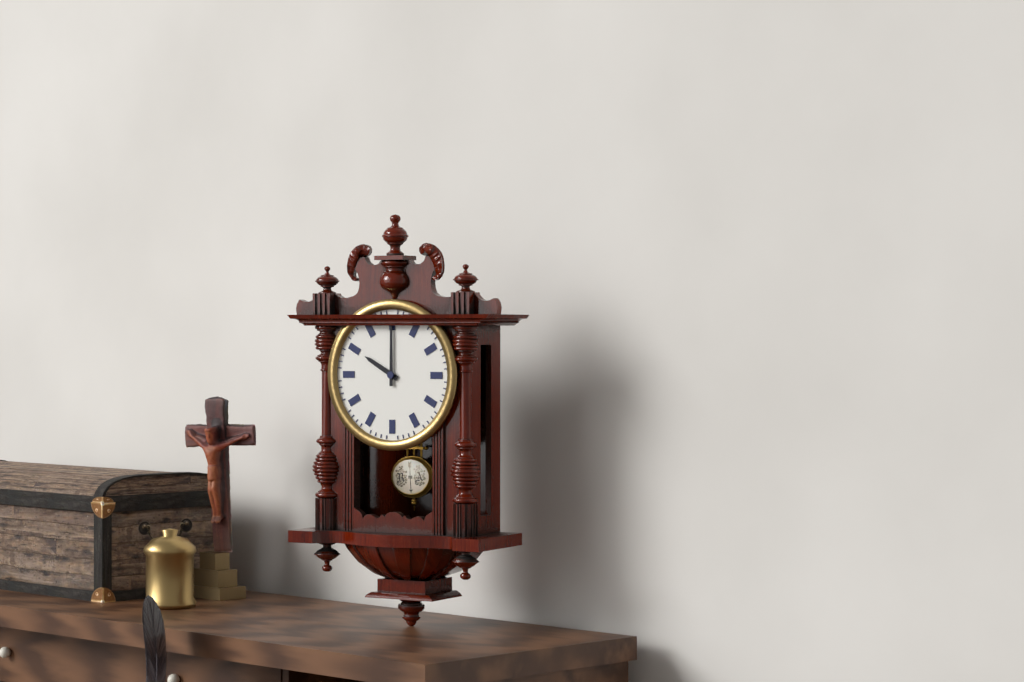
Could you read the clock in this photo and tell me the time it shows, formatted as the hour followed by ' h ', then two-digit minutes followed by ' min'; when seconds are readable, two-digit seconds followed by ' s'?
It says 10 h 00 min
